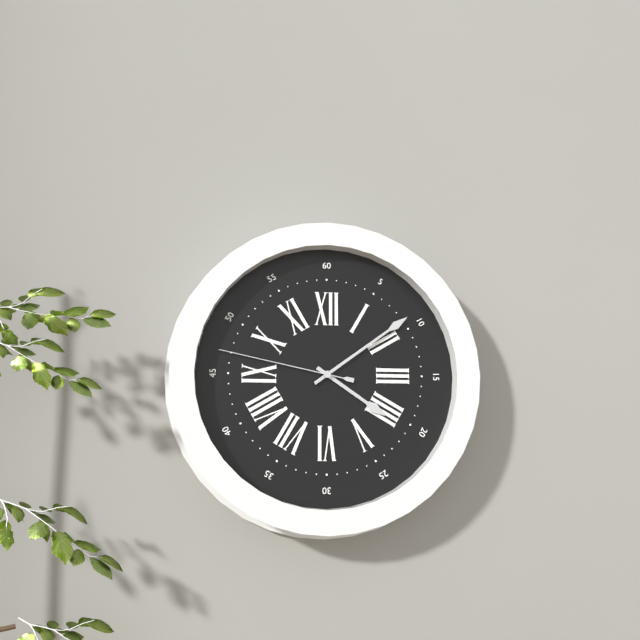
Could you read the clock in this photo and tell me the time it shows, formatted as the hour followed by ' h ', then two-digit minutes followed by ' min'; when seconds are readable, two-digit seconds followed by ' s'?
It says 4 h 09 min 47 s
